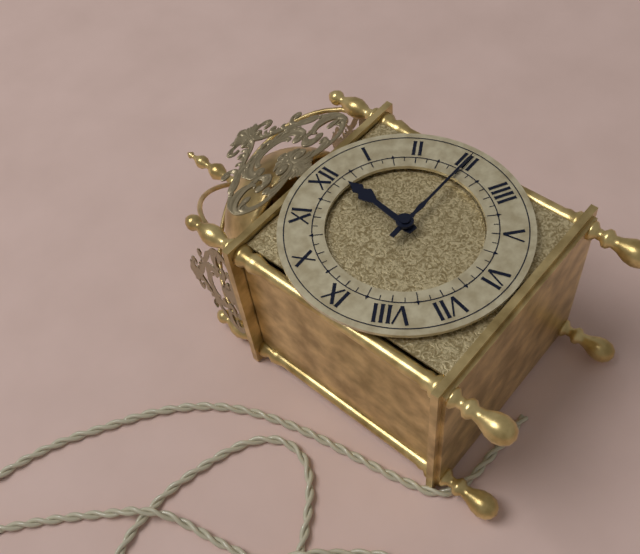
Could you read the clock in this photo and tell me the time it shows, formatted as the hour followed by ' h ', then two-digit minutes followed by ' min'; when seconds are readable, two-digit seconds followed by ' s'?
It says 12 h 15 min
